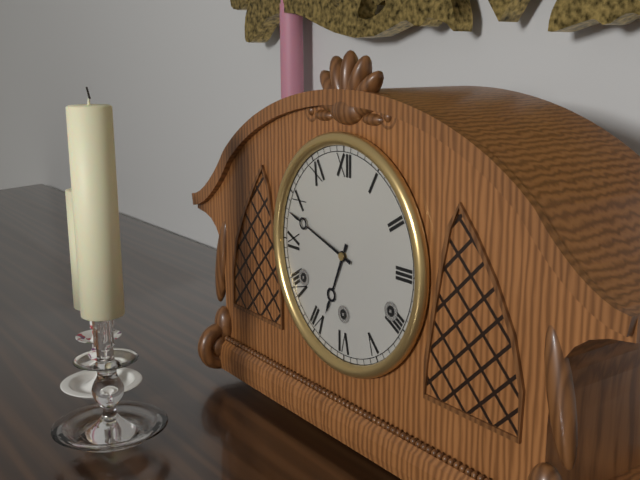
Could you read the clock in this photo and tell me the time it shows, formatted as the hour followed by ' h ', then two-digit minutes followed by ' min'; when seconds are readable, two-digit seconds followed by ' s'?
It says 6 h 48 min
